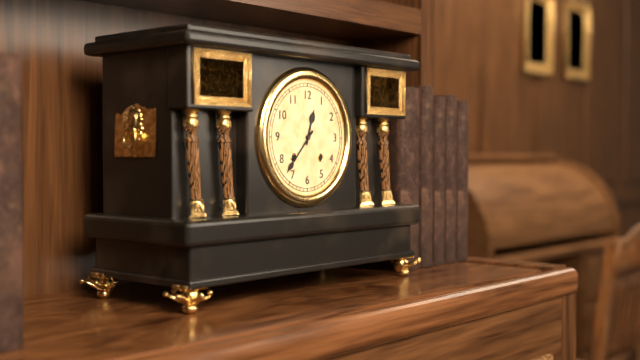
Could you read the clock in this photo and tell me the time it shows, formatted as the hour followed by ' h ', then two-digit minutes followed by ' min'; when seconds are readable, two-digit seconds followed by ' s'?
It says 12 h 37 min
